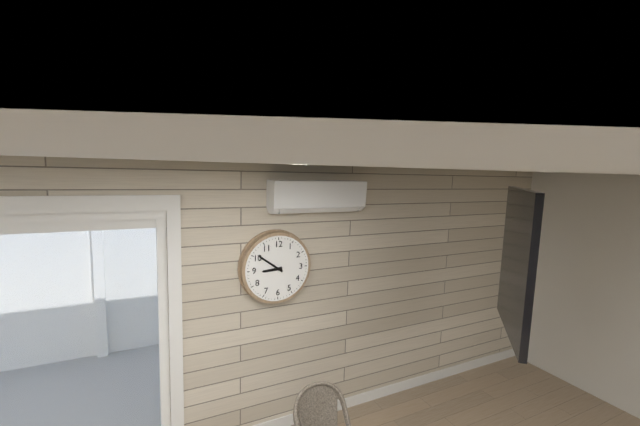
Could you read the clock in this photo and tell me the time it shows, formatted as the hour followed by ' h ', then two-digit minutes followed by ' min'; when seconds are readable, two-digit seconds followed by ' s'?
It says 8 h 51 min
